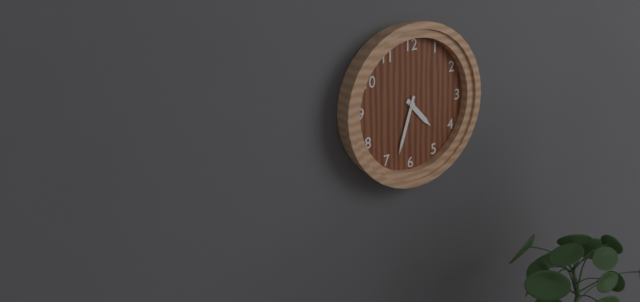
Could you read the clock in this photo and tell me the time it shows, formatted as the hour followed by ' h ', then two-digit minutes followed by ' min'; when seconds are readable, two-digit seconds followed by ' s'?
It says 4 h 33 min
